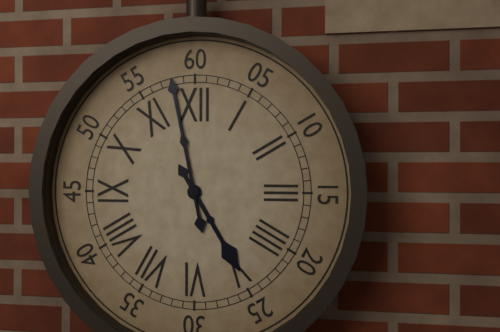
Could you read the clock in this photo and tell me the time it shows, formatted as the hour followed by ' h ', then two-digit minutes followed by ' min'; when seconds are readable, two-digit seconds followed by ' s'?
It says 4 h 58 min
